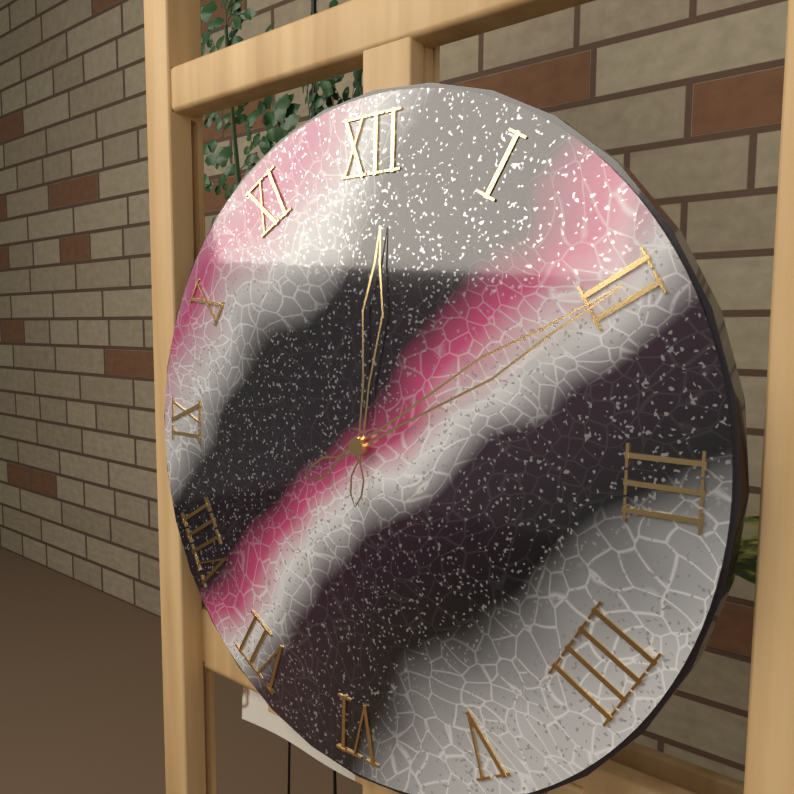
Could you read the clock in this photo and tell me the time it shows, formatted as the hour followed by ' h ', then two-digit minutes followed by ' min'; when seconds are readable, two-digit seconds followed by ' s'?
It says 12 h 10 min
